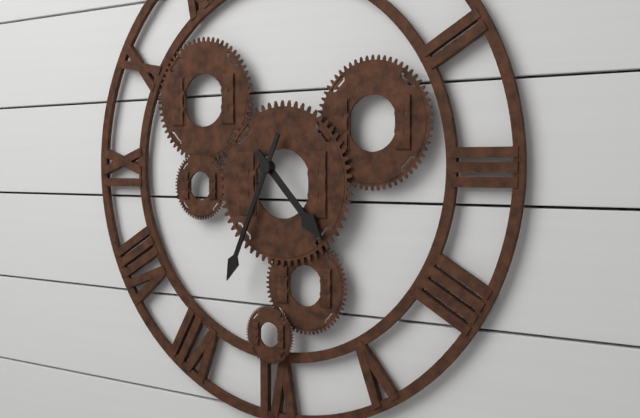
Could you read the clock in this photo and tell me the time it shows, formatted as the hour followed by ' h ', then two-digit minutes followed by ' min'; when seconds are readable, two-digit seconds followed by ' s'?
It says 4 h 34 min
